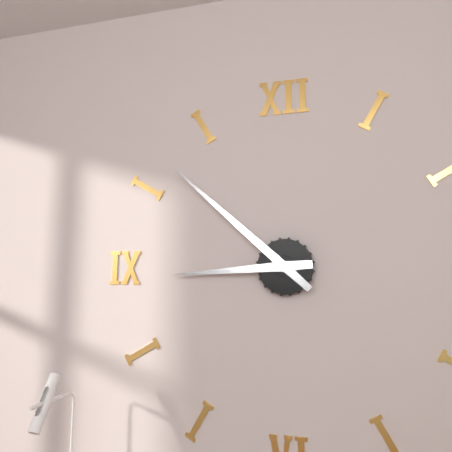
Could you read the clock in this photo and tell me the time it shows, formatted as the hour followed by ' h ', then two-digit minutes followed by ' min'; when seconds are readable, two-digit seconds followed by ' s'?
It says 8 h 52 min
